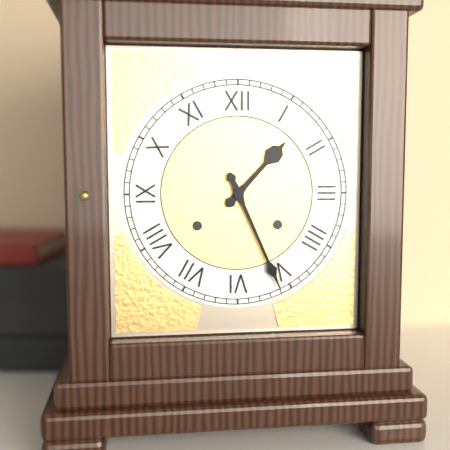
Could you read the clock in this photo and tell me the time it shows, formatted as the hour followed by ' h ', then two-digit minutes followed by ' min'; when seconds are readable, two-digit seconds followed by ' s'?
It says 1 h 26 min
